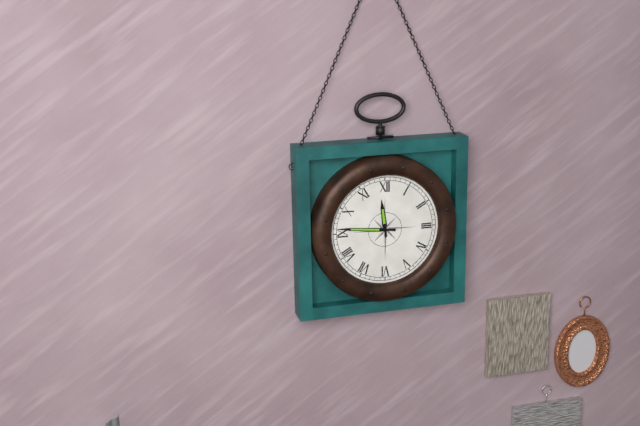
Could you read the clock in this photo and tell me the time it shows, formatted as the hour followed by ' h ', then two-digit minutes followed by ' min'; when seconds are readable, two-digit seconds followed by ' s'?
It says 11 h 46 min
